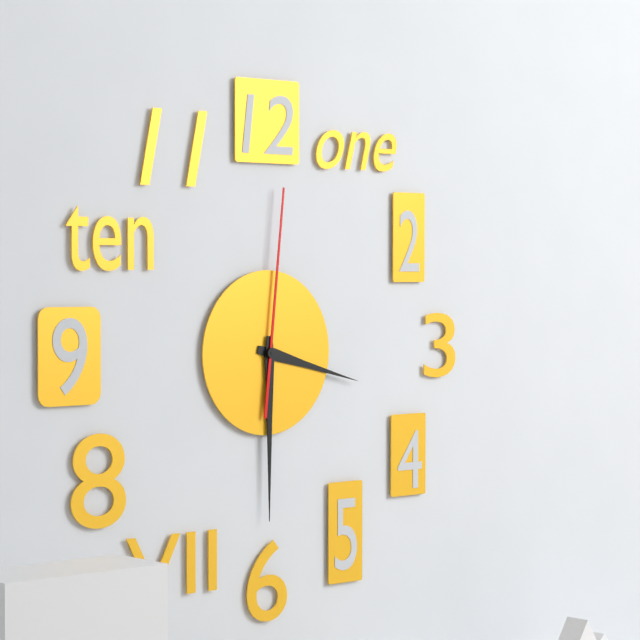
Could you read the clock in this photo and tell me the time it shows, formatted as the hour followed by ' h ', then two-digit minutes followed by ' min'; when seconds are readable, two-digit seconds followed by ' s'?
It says 3 h 30 min 01 s
